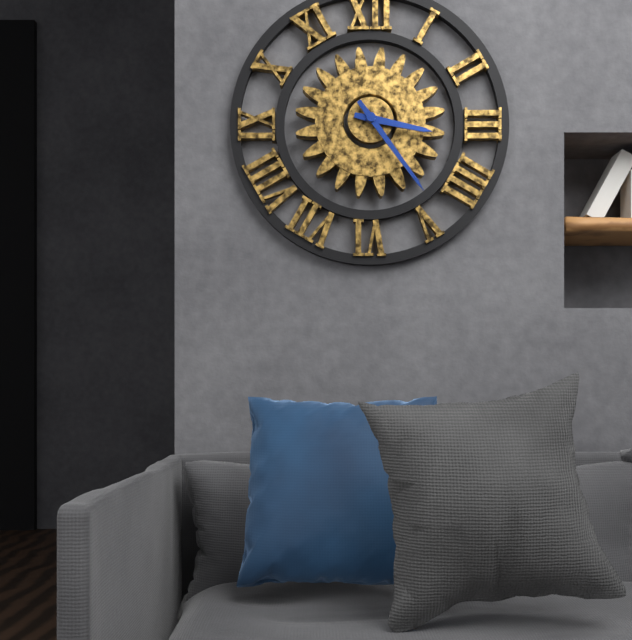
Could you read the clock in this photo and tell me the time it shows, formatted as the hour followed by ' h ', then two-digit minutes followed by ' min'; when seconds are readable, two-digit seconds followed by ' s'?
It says 3 h 24 min
